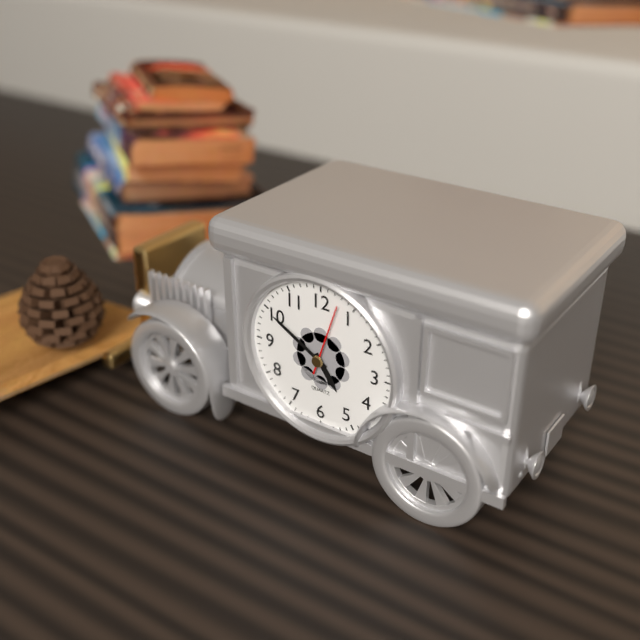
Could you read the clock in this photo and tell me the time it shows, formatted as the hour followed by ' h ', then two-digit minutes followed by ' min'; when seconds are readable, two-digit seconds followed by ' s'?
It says 4 h 50 min 03 s
